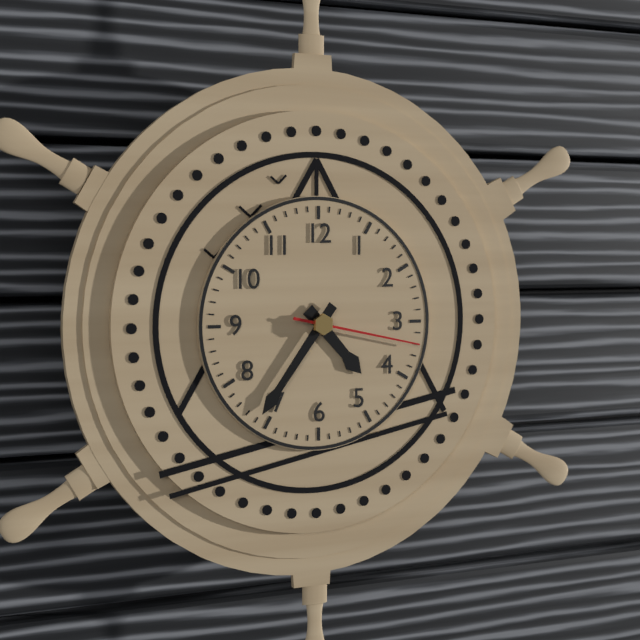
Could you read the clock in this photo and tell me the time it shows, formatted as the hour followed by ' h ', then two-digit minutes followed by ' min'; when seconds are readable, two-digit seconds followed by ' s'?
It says 4 h 36 min 17 s
